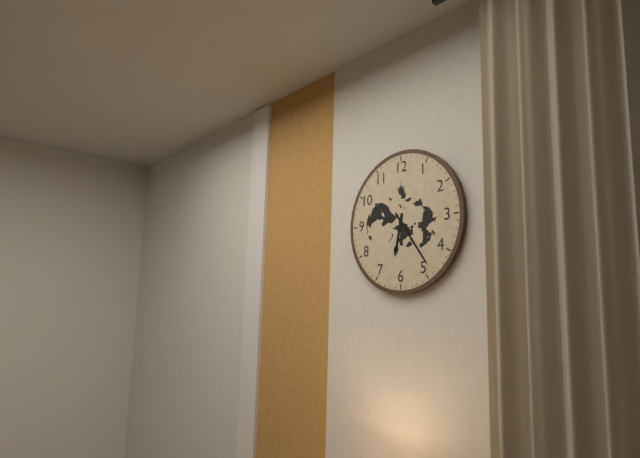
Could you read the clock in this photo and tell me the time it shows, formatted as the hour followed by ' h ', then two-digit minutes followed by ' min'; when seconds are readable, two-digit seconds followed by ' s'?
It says 6 h 24 min
